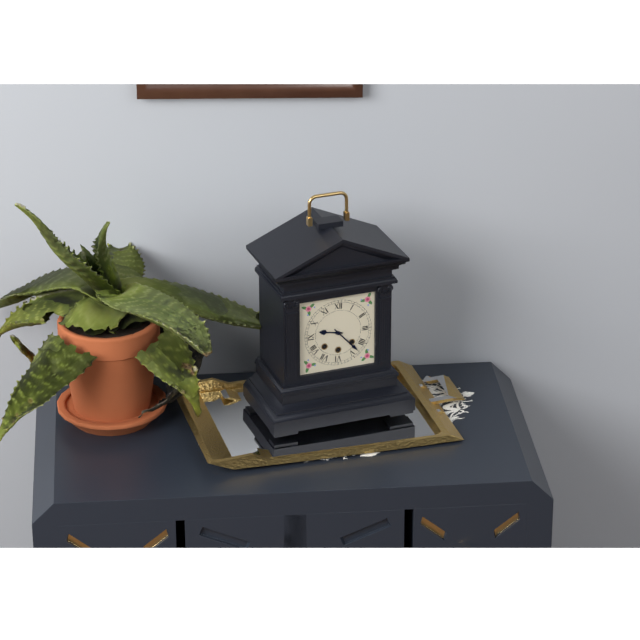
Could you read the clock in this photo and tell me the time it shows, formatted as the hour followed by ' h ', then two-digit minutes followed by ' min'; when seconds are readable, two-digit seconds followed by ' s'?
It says 9 h 23 min
